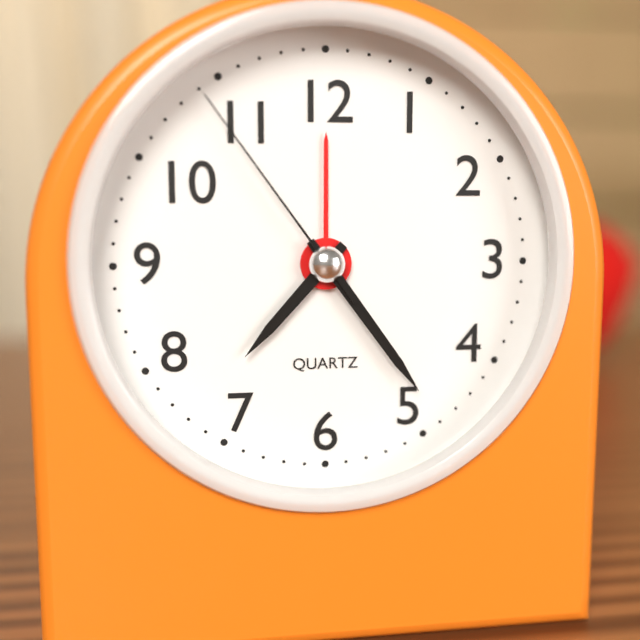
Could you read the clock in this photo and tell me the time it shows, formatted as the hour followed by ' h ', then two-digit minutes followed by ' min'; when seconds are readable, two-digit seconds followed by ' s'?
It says 7 h 24 min 54 s
